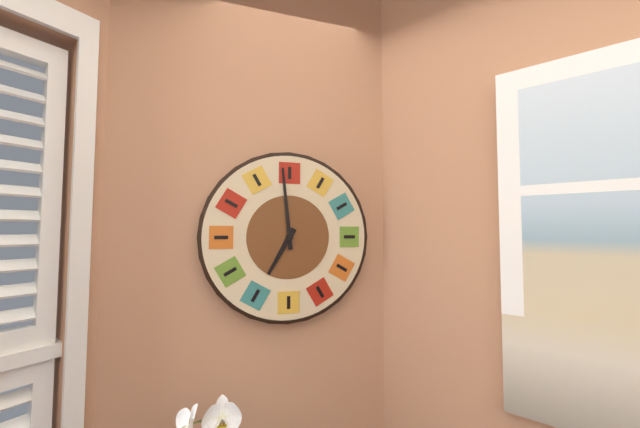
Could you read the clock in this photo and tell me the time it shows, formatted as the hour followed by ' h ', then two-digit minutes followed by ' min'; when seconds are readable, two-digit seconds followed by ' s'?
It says 6 h 59 min
